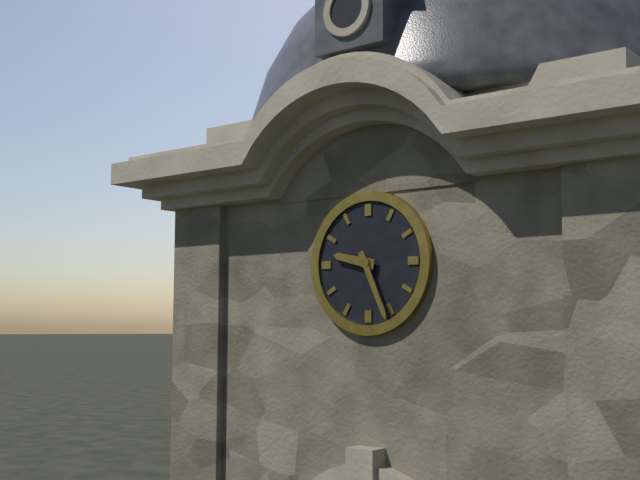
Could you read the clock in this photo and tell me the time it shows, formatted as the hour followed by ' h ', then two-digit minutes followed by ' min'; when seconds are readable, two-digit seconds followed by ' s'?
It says 9 h 26 min
